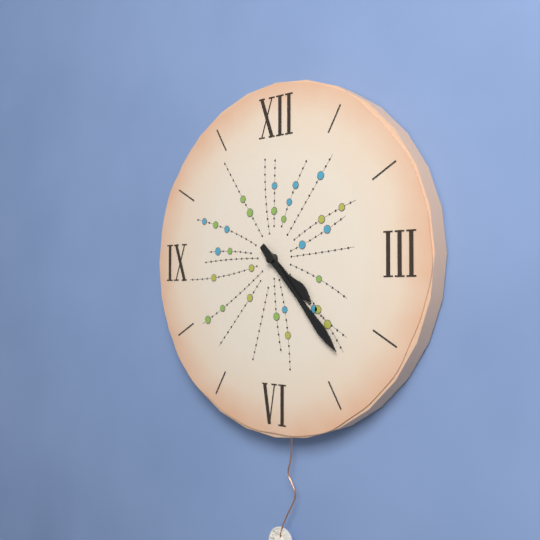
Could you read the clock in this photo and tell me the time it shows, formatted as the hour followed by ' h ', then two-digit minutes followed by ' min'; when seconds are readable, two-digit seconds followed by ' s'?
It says 4 h 23 min
